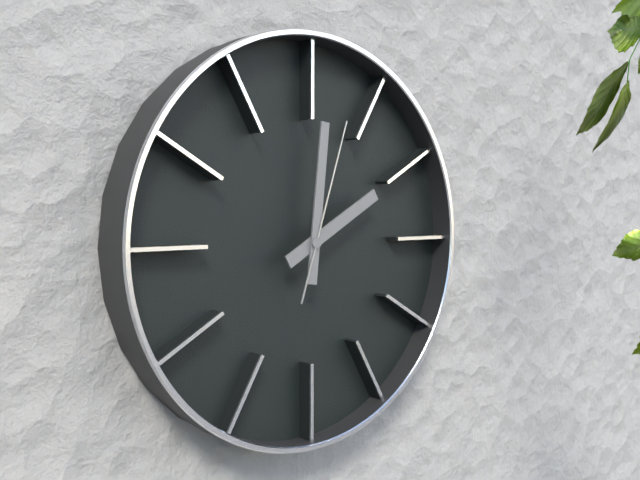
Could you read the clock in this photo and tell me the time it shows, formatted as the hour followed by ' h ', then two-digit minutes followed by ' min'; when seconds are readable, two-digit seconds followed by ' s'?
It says 2 h 01 min 03 s
